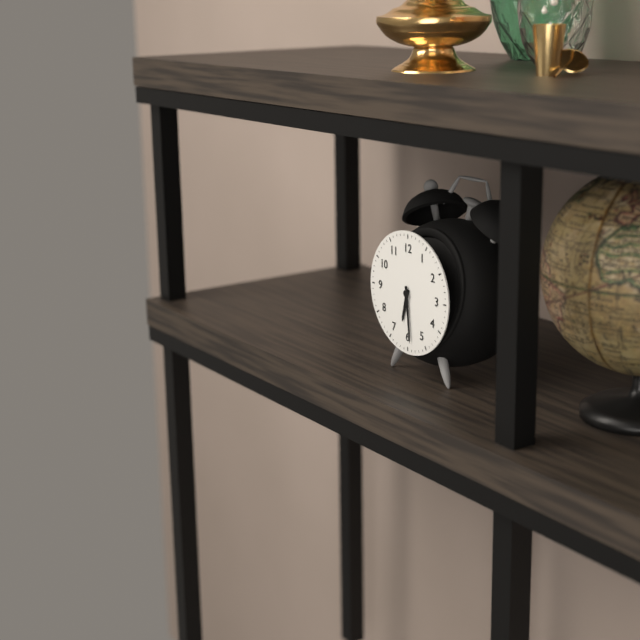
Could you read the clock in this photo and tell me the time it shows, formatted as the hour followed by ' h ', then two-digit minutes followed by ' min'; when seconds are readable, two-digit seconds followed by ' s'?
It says 6 h 29 min
